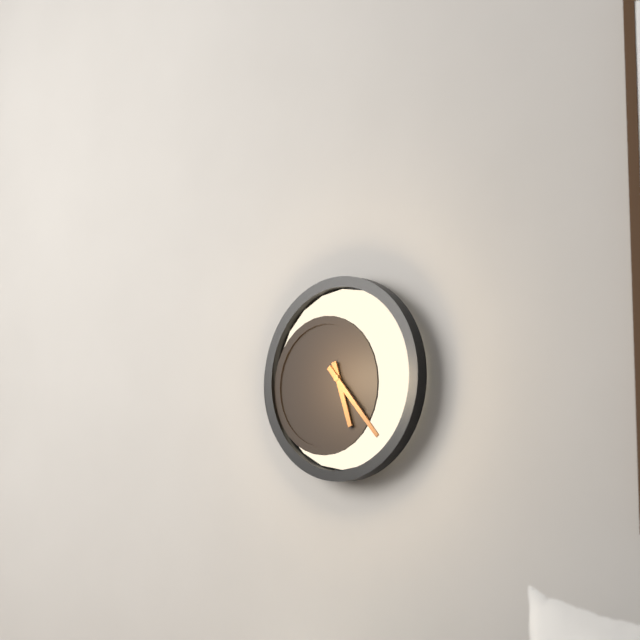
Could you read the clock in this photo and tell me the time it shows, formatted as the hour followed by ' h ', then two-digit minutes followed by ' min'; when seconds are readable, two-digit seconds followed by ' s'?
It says 5 h 23 min
